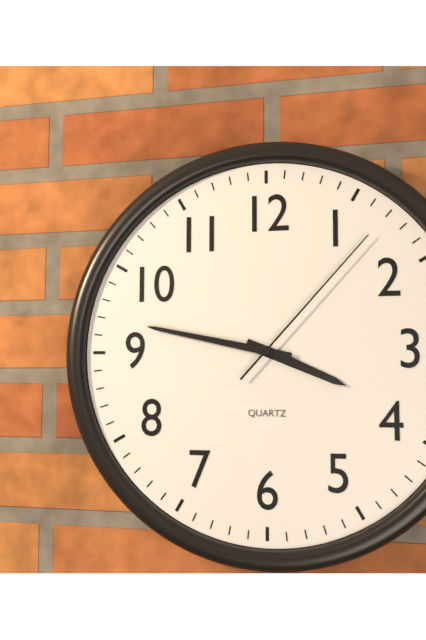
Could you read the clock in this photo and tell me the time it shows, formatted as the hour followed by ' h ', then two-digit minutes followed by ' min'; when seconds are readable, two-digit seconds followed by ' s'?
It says 3 h 47 min 07 s
